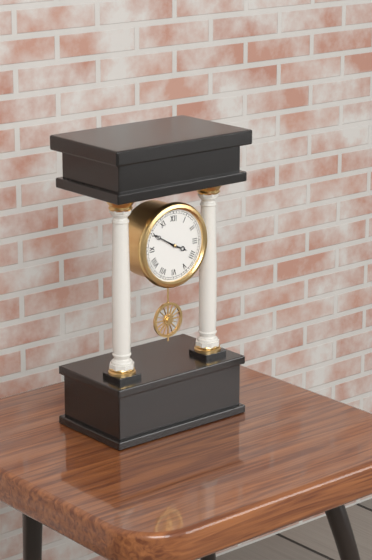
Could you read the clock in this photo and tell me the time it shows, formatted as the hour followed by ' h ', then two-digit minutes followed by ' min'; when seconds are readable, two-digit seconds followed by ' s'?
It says 3 h 50 min
